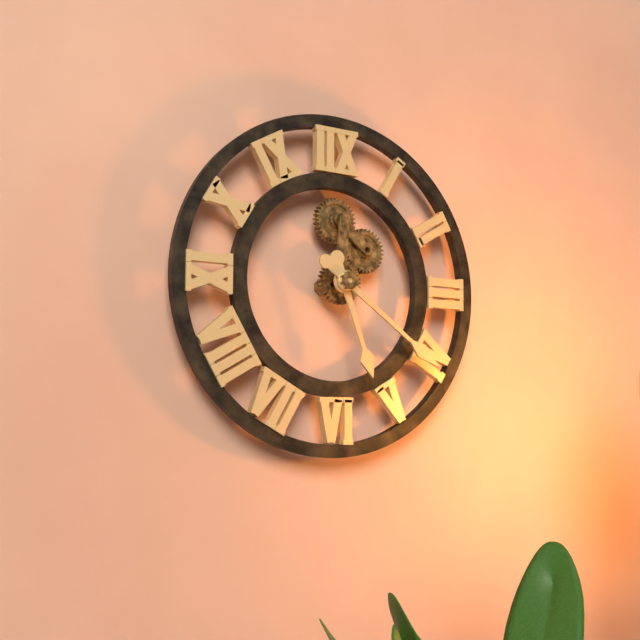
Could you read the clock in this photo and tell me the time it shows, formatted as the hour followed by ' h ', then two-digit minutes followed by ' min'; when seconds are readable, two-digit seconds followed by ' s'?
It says 5 h 21 min
